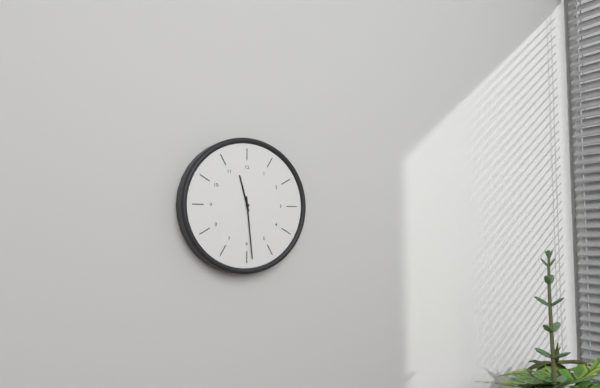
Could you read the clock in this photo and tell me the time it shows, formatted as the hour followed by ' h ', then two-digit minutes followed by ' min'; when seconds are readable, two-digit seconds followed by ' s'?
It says 11 h 29 min
